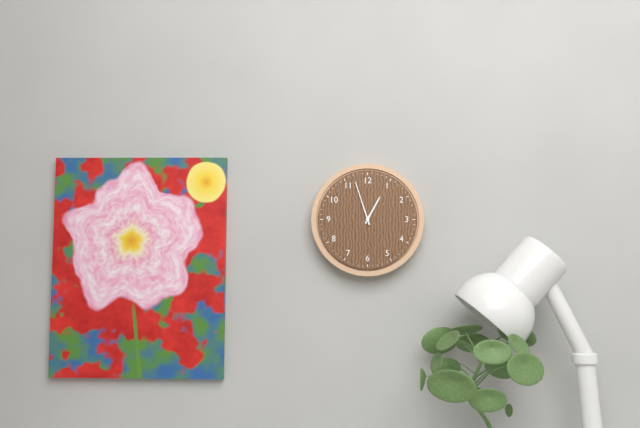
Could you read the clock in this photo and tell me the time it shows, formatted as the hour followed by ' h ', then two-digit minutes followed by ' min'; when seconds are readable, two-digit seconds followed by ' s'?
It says 12 h 57 min
